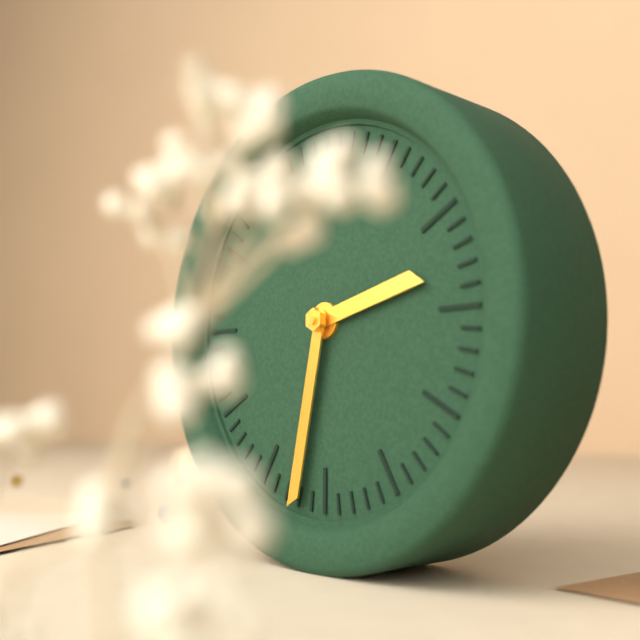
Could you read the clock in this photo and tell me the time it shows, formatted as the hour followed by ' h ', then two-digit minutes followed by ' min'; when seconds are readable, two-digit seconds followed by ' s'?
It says 2 h 32 min
